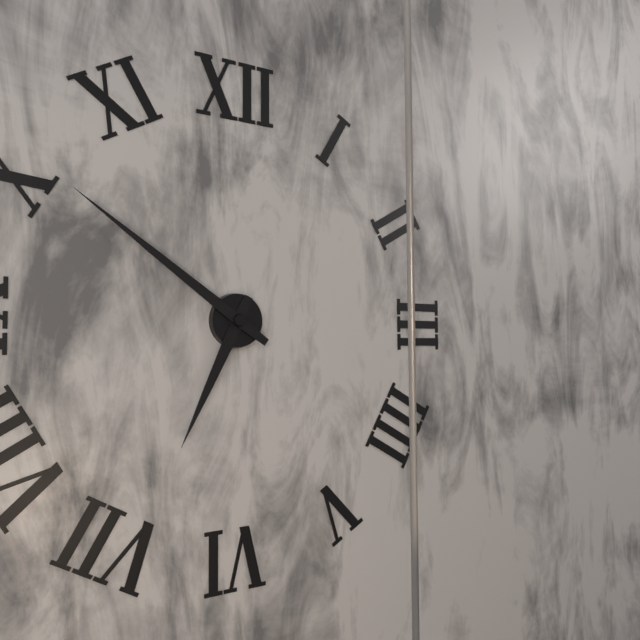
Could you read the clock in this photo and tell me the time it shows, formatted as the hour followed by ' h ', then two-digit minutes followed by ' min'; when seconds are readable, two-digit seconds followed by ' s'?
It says 6 h 51 min
